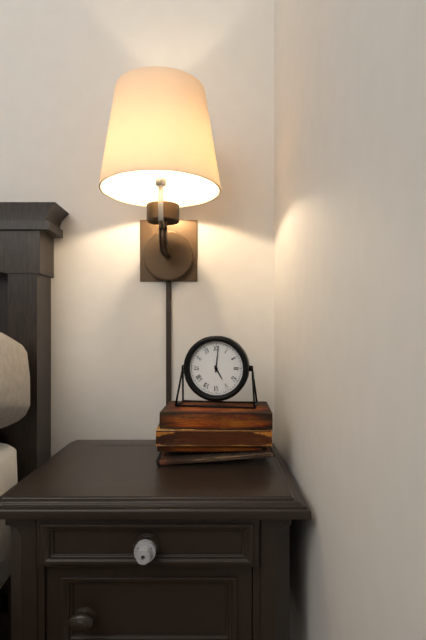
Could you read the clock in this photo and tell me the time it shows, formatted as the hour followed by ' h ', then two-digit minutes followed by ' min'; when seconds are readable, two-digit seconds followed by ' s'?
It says 5 h 01 min
